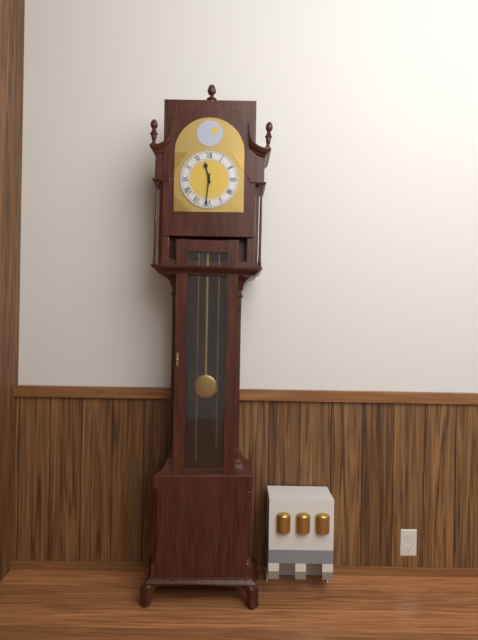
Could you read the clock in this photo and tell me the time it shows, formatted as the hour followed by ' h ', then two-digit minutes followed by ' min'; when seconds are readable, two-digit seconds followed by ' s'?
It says 11 h 31 min
